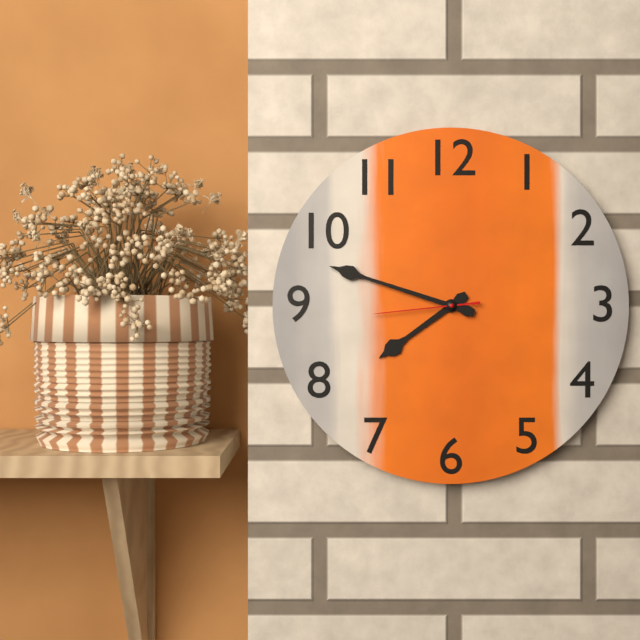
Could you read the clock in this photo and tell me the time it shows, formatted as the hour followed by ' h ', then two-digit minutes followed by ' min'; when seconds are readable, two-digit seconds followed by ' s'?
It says 7 h 48 min 44 s
